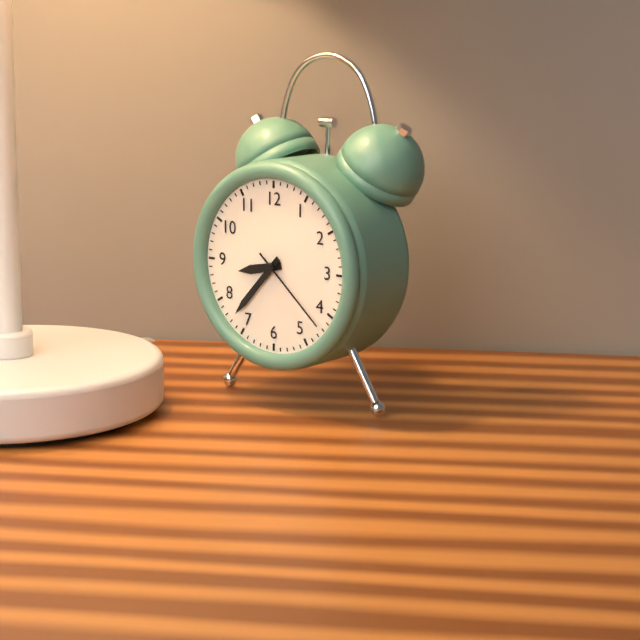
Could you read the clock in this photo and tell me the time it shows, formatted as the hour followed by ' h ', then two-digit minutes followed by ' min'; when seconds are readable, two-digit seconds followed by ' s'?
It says 8 h 37 min 22 s
